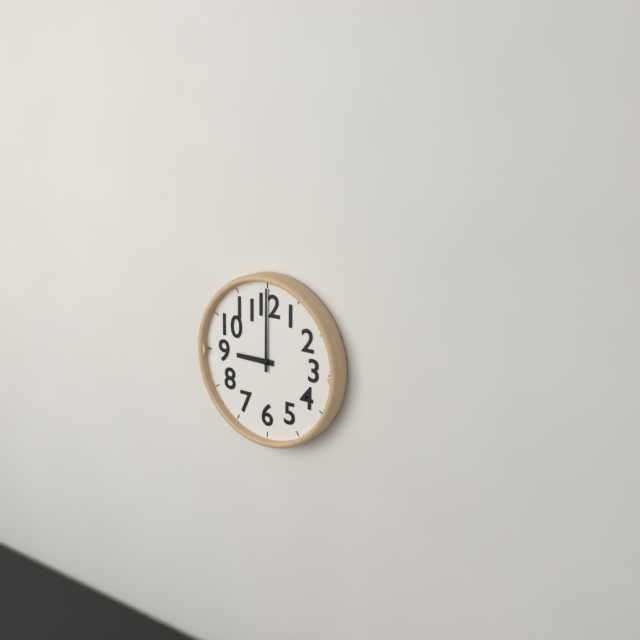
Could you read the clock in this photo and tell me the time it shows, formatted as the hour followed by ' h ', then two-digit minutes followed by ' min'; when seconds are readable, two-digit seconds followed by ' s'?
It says 9 h 00 min
